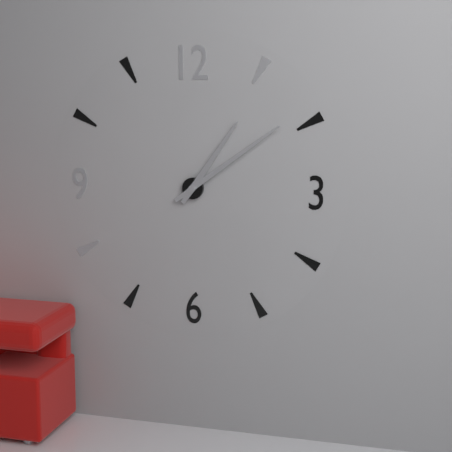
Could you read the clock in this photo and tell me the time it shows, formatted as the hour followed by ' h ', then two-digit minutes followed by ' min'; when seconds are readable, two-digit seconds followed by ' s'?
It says 1 h 09 min
